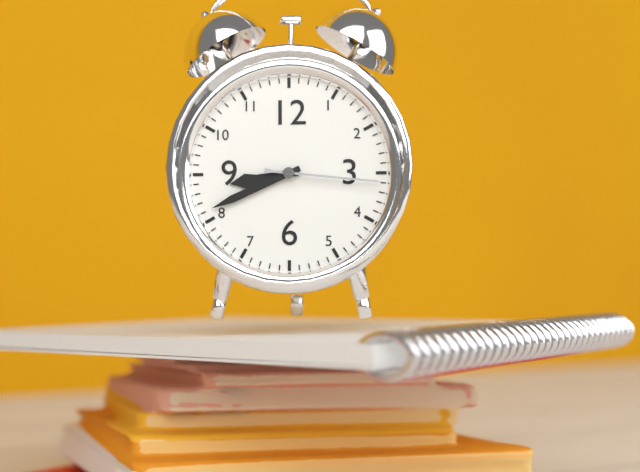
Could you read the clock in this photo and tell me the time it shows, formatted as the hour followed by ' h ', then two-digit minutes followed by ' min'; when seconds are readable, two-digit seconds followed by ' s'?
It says 8 h 41 min 16 s
